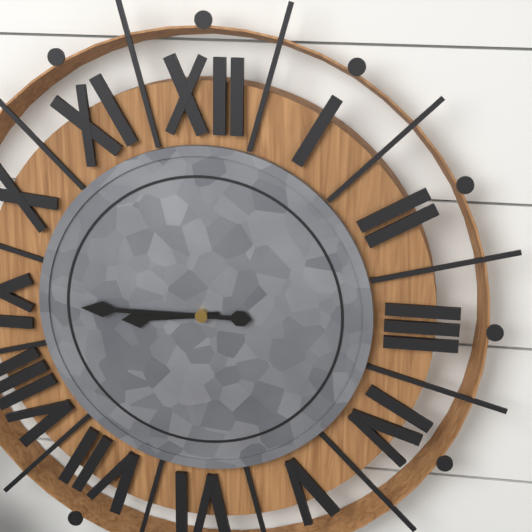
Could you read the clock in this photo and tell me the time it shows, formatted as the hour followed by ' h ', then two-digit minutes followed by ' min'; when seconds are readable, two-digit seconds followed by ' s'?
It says 8 h 45 min
